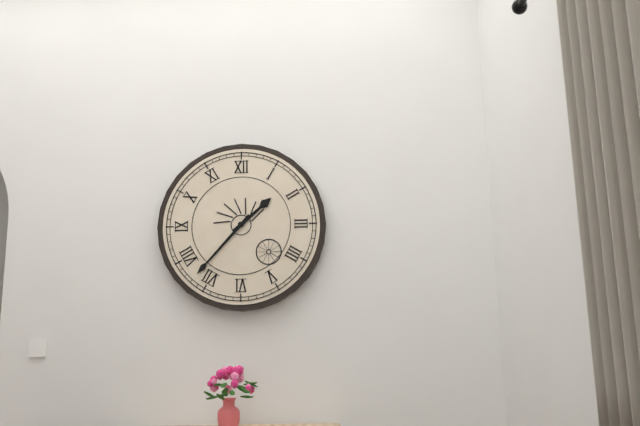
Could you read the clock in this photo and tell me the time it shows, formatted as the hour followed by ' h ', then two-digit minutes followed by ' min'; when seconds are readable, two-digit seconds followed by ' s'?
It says 1 h 37 min
